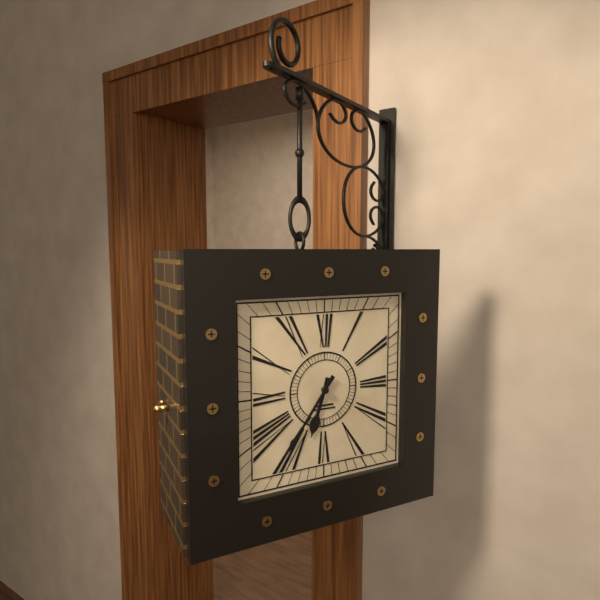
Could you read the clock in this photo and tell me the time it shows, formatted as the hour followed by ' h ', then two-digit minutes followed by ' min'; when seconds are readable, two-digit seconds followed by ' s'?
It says 6 h 36 min
